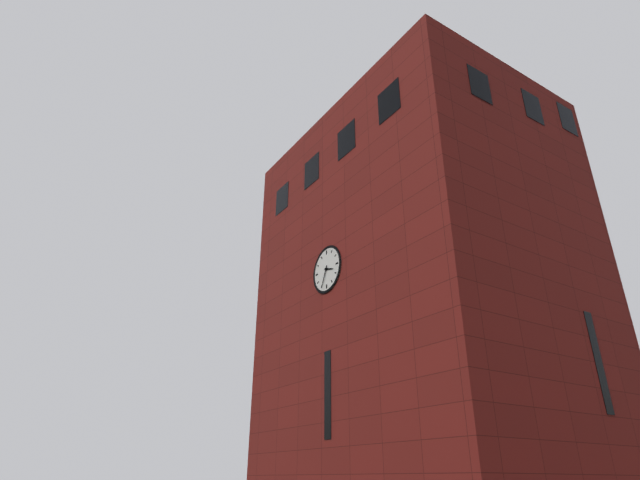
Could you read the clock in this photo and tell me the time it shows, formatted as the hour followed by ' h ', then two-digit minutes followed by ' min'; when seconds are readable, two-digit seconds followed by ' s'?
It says 3 h 34 min
